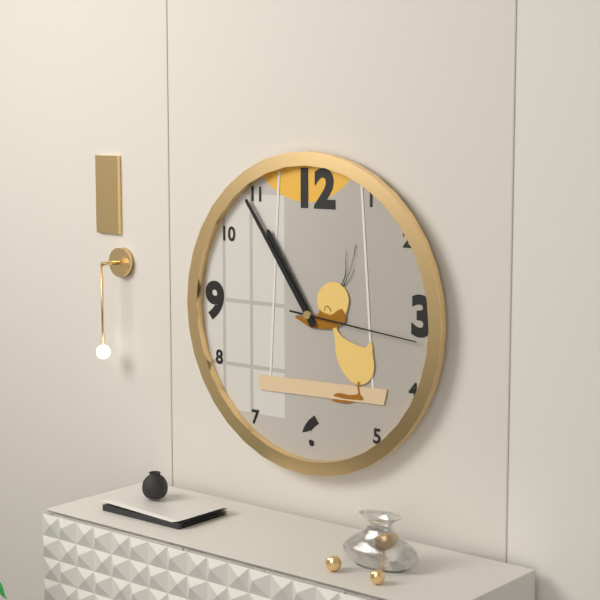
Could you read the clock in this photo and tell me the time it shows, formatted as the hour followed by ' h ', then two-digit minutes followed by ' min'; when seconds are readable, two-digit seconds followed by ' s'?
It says 10 h 54 min 16 s
